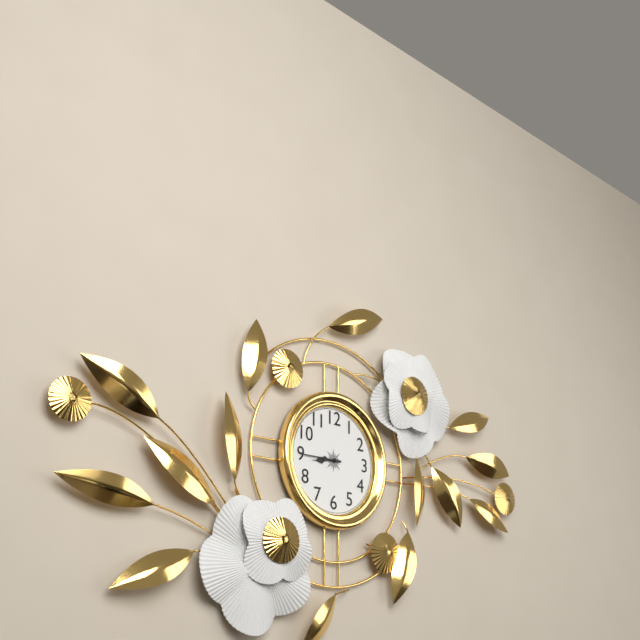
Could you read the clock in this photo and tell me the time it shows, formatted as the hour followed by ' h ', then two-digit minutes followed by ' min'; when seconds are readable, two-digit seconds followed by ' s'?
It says 8 h 45 min
